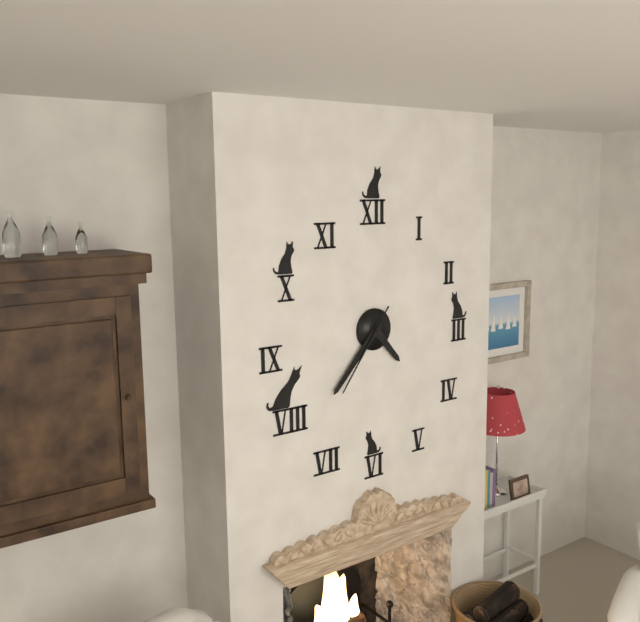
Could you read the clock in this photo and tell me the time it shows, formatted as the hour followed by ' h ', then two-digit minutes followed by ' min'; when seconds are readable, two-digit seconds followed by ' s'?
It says 4 h 37 min 36 s
